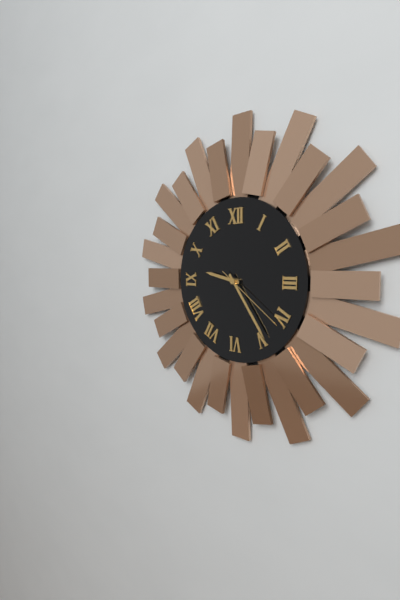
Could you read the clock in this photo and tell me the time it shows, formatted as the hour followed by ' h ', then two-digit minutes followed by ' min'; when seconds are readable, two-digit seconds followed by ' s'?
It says 9 h 24 min 21 s
